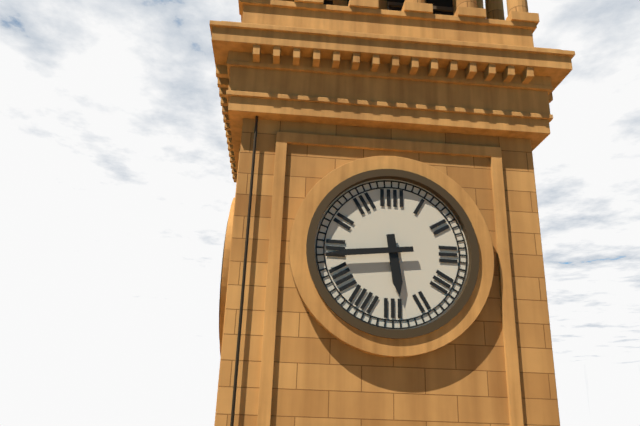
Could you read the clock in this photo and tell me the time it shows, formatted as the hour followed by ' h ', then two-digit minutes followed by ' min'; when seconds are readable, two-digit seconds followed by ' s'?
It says 5 h 44 min
